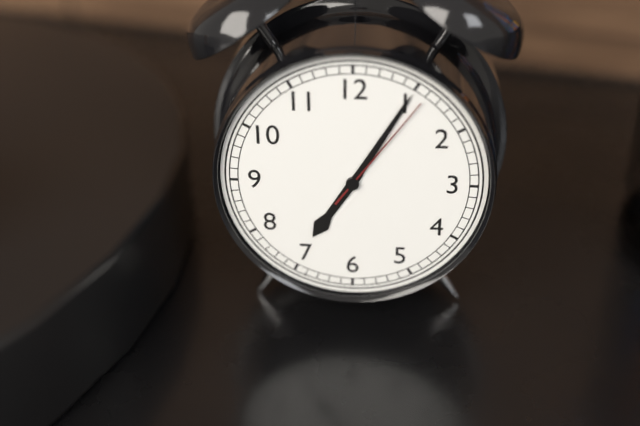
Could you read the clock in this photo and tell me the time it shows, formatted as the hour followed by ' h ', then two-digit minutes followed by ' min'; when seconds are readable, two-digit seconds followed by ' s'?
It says 7 h 05 min 06 s
